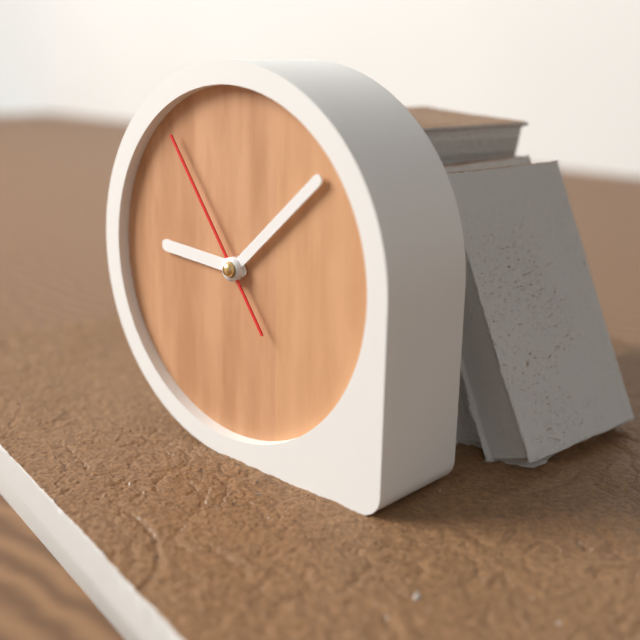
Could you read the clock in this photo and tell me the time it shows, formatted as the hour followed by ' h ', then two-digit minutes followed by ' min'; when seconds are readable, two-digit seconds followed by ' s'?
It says 9 h 08 min 54 s
